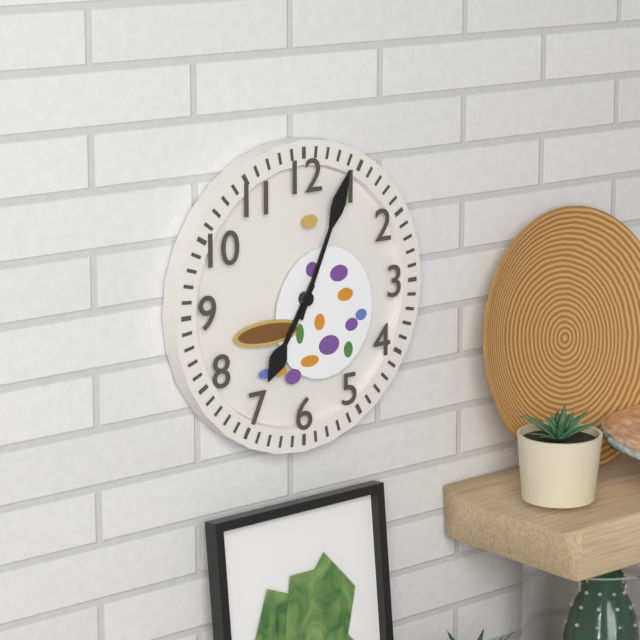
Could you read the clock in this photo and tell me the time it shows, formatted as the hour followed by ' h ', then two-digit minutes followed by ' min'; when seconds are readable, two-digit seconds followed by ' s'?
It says 7 h 04 min
